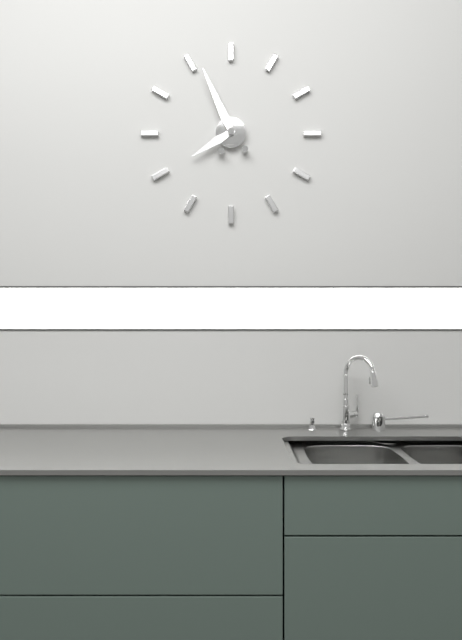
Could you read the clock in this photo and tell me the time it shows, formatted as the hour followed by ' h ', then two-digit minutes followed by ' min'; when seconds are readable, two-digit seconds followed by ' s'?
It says 7 h 56 min
